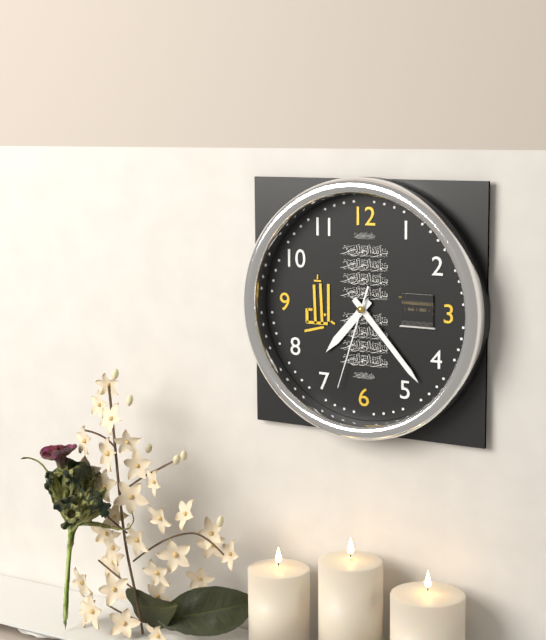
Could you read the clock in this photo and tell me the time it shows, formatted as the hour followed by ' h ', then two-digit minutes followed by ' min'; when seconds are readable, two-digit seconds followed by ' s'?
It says 7 h 23 min 33 s
